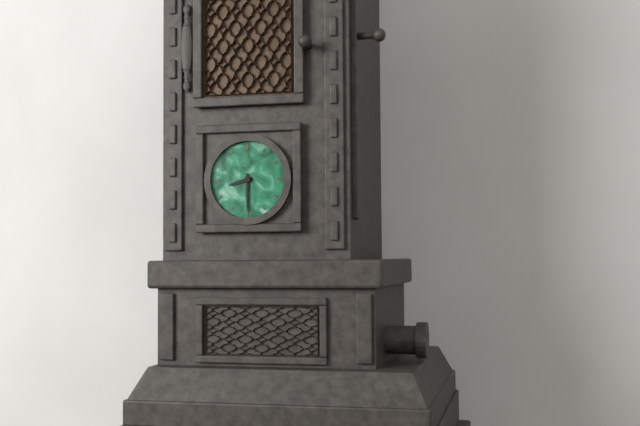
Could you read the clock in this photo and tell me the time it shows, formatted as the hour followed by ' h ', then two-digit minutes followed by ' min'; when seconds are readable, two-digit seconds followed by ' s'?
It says 8 h 30 min
